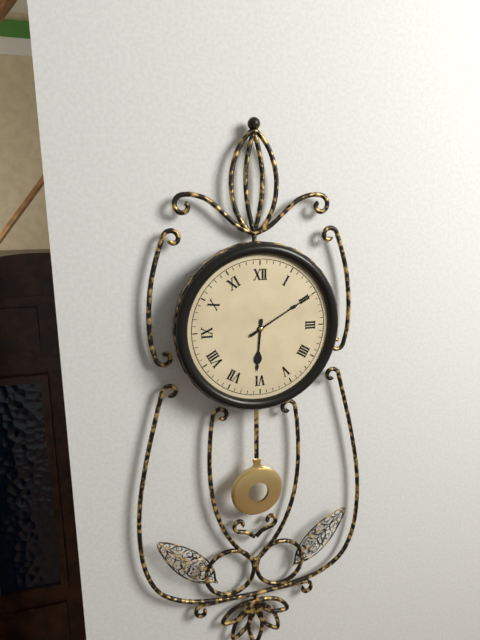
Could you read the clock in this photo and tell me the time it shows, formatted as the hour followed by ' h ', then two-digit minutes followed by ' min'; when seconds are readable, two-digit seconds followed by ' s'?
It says 6 h 10 min
